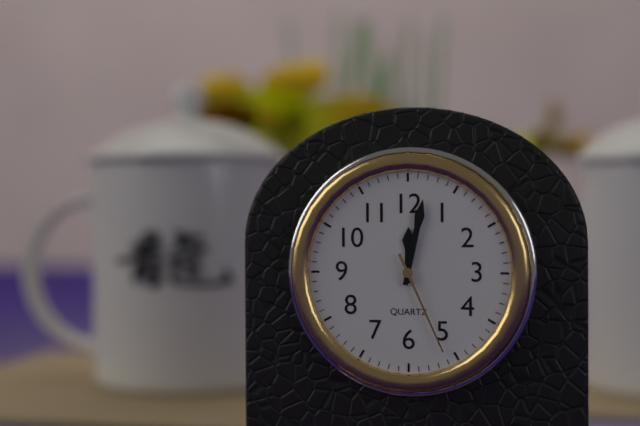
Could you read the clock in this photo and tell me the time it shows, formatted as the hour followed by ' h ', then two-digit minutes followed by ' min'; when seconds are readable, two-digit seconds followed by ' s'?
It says 12 h 02 min 26 s
